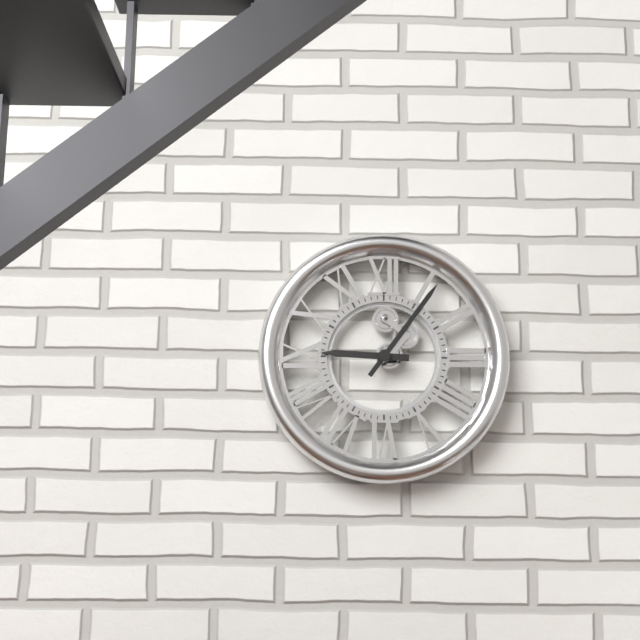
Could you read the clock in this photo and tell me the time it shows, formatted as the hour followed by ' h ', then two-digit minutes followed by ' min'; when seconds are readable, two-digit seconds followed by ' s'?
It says 9 h 06 min
